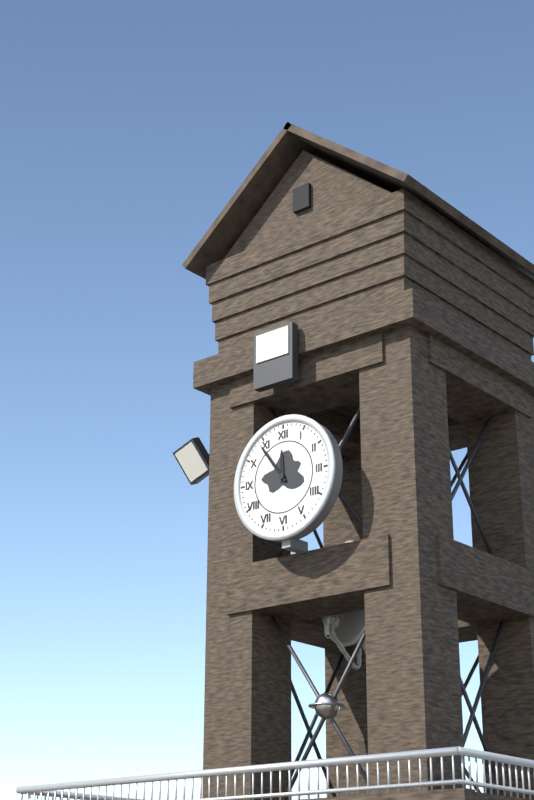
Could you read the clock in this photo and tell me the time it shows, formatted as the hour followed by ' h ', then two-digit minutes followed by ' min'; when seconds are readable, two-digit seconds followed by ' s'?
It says 11 h 54 min
